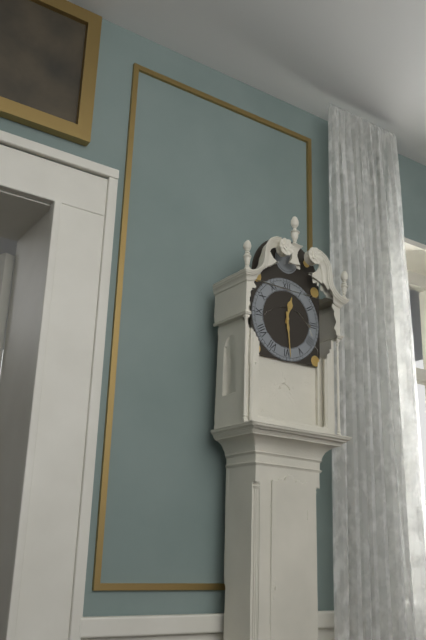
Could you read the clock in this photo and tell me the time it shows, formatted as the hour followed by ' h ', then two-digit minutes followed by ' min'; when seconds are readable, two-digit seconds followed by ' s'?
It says 12 h 29 min
